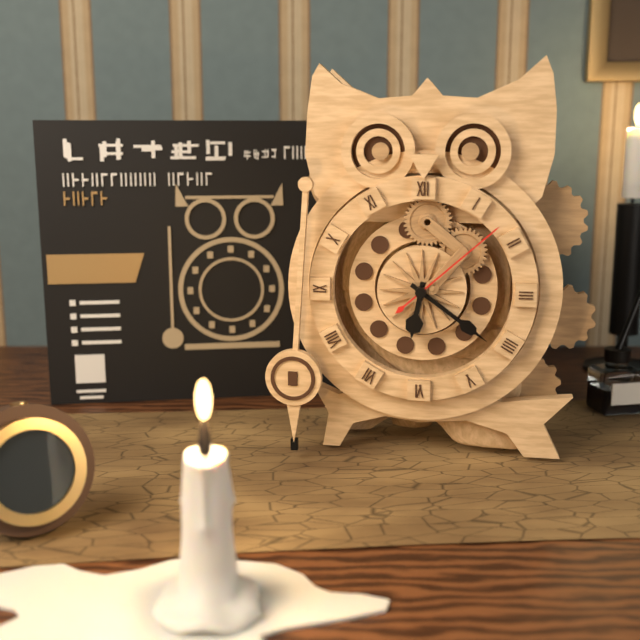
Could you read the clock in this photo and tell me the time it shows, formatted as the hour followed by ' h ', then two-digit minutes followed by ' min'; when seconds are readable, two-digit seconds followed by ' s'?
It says 6 h 21 min 08 s
